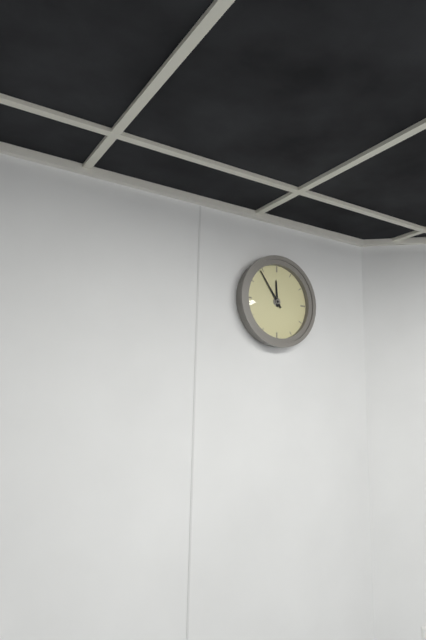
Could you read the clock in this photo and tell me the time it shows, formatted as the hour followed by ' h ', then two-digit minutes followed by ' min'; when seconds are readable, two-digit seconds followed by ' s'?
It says 11 h 54 min
